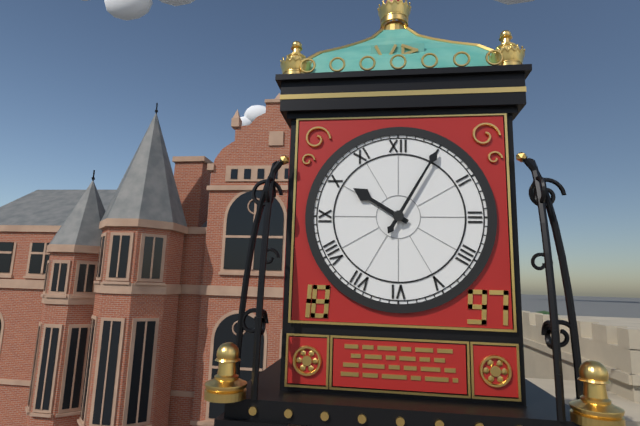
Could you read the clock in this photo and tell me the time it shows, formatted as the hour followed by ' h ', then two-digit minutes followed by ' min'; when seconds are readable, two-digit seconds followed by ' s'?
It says 10 h 05 min
